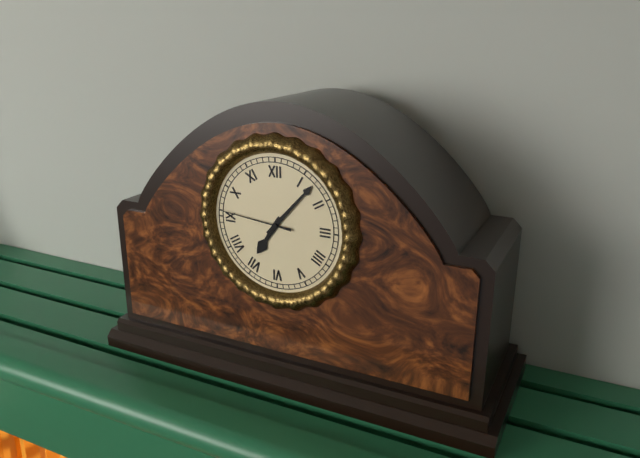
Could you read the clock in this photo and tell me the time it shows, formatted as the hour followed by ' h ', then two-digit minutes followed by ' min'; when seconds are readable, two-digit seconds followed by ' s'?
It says 7 h 07 min 46 s
